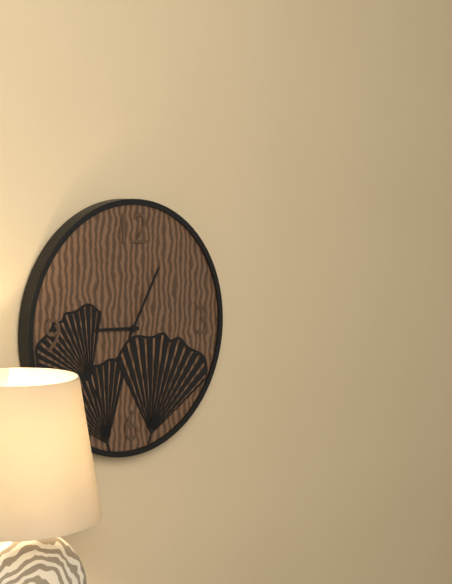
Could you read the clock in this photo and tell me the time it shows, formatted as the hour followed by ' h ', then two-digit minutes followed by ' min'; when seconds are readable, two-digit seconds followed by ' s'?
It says 9 h 05 min
